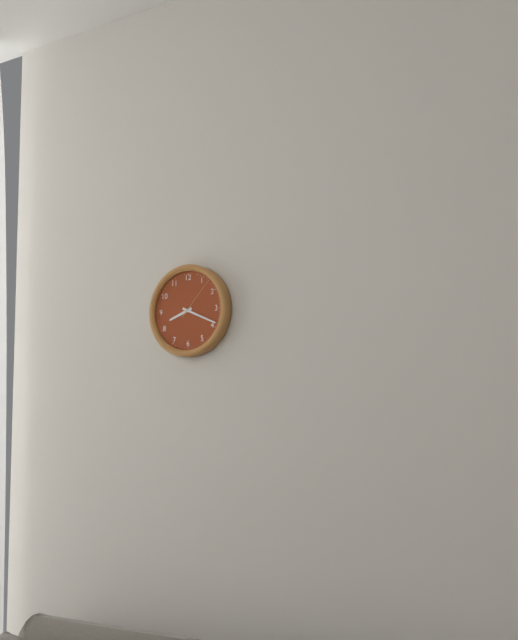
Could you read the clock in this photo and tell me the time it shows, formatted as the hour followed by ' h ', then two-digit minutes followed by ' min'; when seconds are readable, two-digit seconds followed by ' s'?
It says 8 h 19 min
